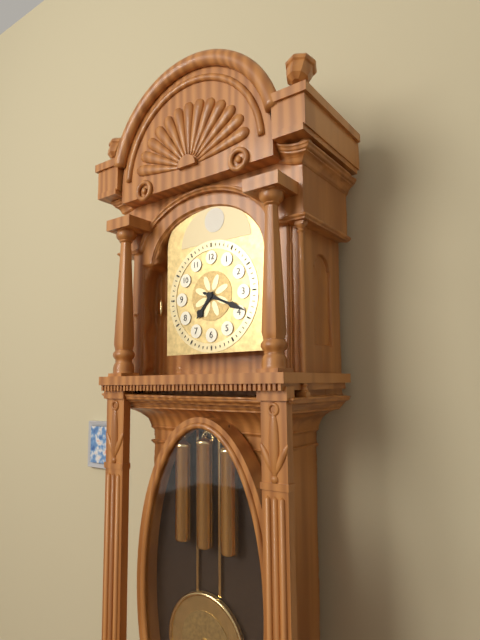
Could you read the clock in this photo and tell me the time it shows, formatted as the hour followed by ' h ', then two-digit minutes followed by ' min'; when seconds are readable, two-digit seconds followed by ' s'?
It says 7 h 19 min
